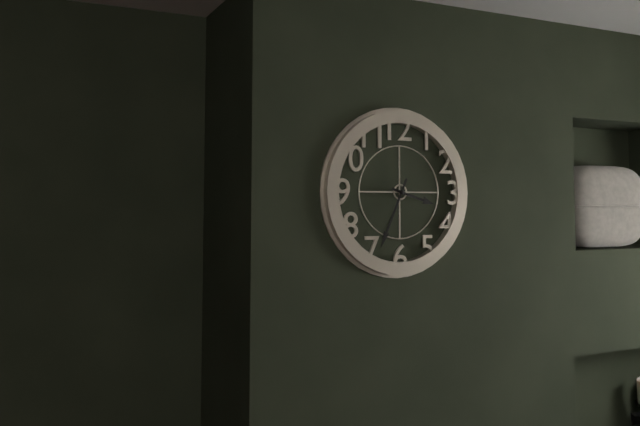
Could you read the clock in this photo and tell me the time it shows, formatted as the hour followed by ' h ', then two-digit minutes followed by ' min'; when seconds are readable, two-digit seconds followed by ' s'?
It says 3 h 34 min
